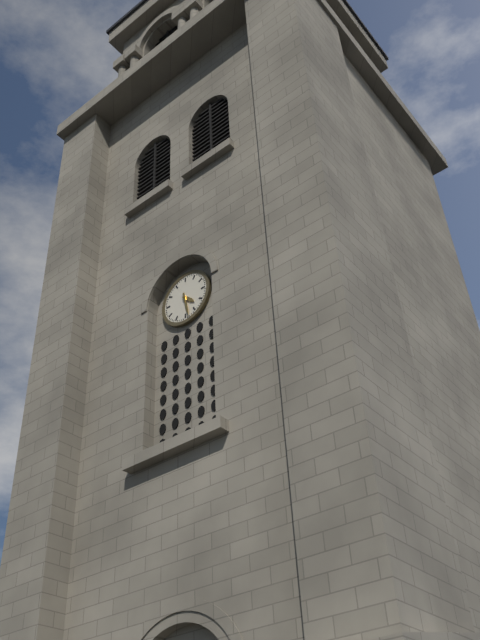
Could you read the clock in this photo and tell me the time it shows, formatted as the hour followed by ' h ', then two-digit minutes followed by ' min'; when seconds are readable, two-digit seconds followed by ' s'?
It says 4 h 28 min
